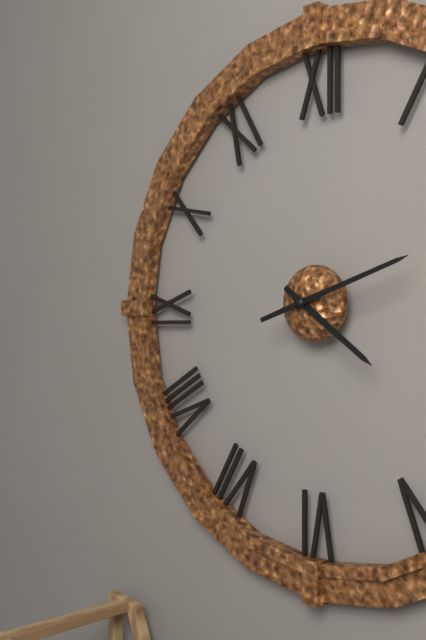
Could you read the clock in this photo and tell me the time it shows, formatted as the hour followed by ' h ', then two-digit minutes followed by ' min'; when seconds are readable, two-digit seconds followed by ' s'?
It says 4 h 12 min
